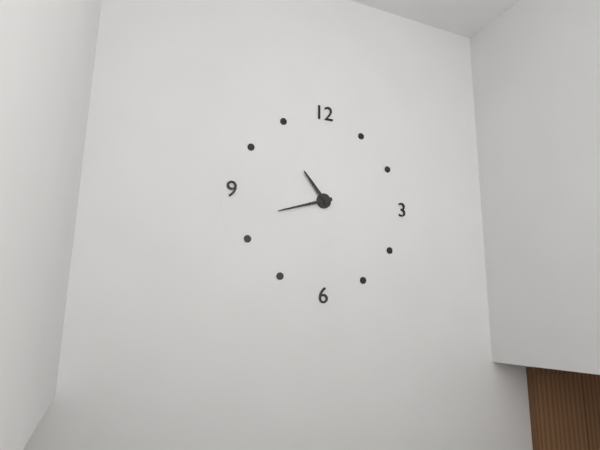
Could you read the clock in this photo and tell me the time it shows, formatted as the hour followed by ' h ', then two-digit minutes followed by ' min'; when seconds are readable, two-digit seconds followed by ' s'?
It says 10 h 42 min
